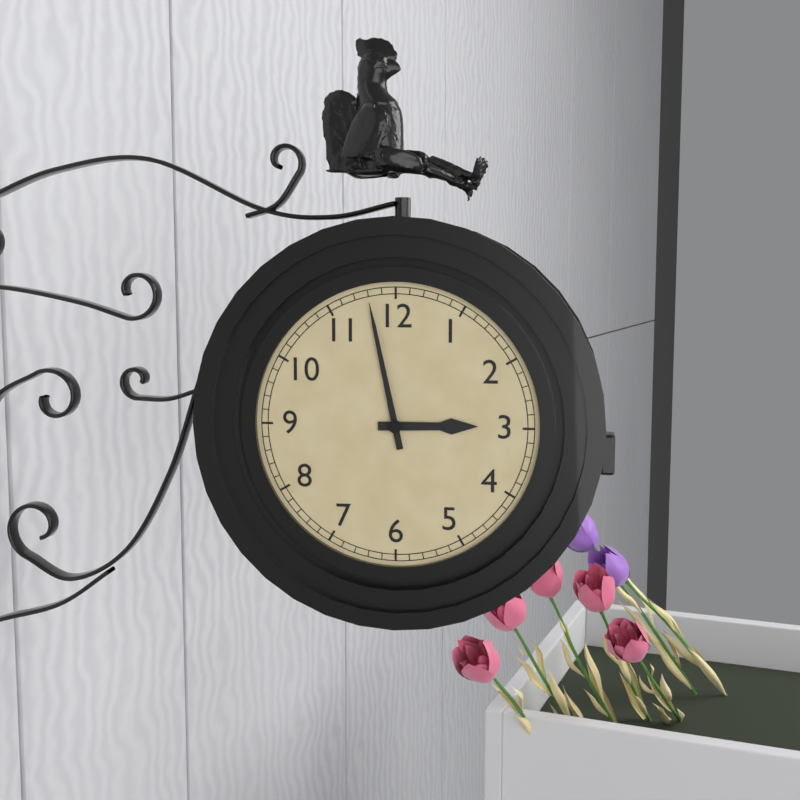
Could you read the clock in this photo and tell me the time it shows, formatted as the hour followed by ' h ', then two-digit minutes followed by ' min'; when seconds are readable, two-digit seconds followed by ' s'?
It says 2 h 58 min
